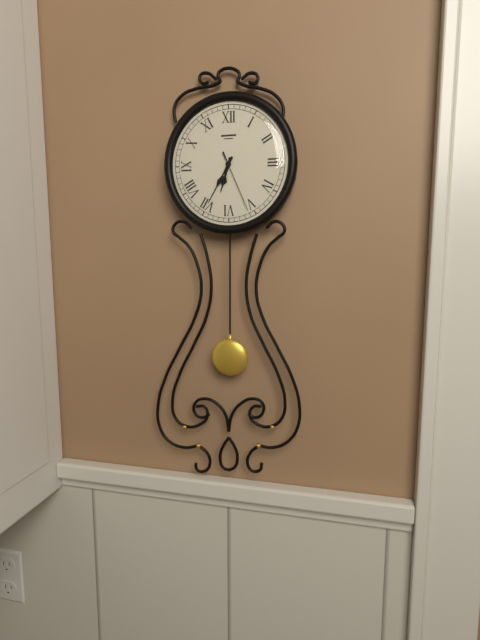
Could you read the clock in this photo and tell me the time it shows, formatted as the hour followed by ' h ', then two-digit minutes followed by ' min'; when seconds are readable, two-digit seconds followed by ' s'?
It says 6 h 35 min 26 s
